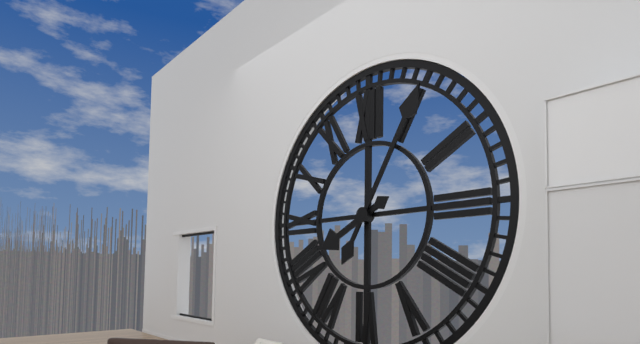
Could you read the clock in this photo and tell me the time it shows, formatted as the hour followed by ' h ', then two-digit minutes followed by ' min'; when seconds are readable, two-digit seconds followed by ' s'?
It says 8 h 05 min
